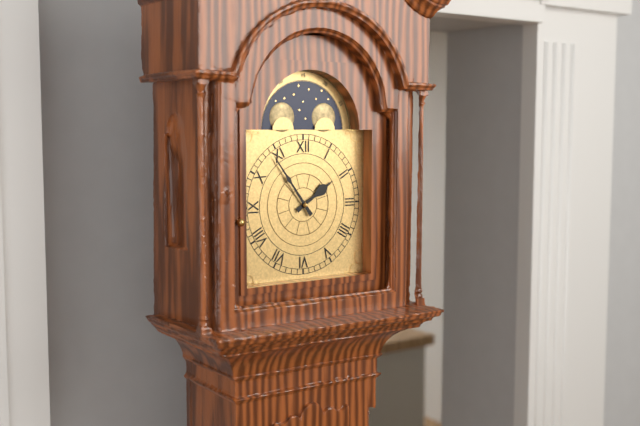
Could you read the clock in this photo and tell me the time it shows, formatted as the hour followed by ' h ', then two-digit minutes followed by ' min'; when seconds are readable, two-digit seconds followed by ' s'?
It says 1 h 54 min
